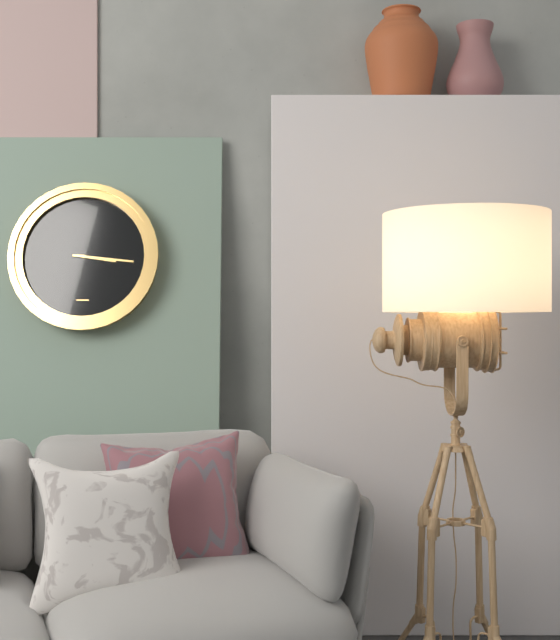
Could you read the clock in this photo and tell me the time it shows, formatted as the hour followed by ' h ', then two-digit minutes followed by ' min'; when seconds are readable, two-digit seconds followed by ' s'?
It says 3 h 16 min
